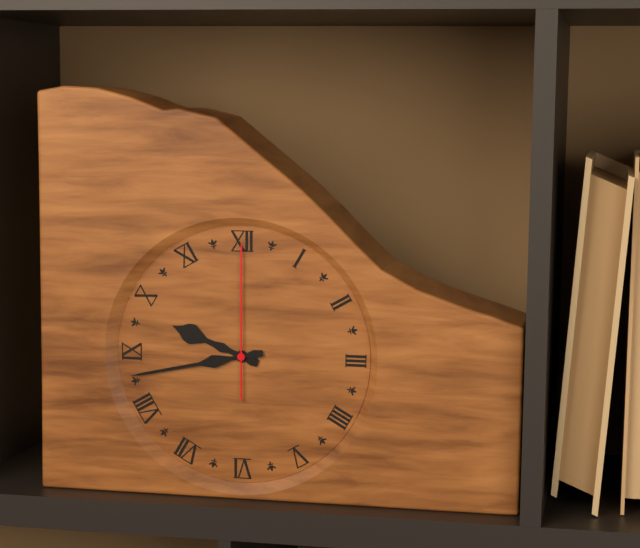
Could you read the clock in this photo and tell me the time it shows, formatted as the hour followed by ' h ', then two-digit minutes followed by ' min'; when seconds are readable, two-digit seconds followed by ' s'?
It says 9 h 43 min 00 s
